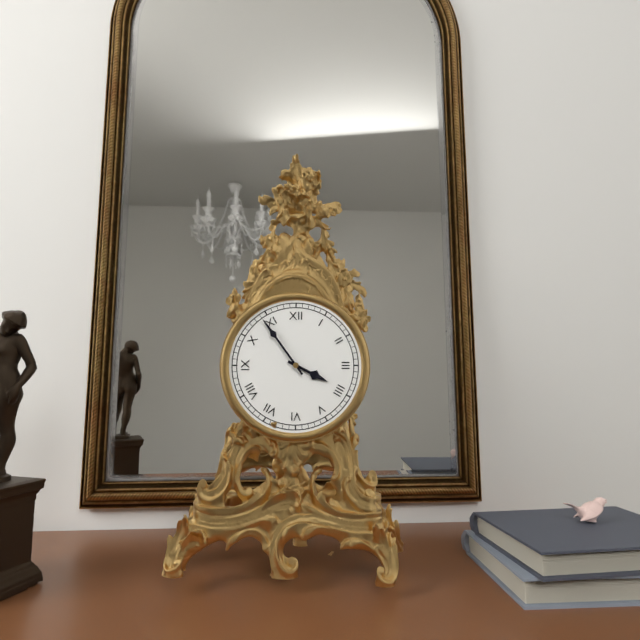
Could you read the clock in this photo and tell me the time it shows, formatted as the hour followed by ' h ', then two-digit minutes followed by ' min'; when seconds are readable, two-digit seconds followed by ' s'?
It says 3 h 54 min
